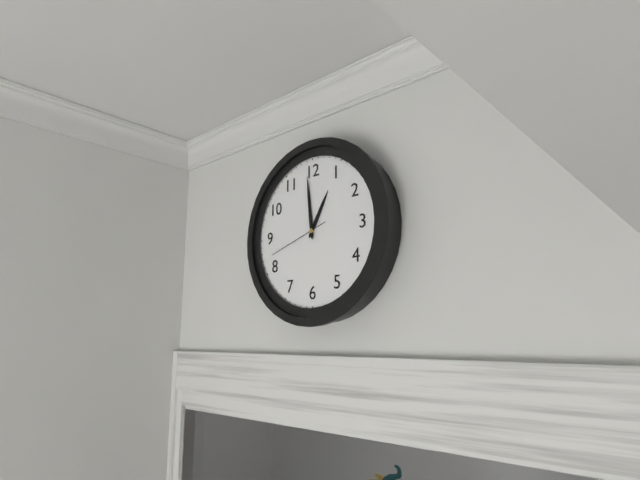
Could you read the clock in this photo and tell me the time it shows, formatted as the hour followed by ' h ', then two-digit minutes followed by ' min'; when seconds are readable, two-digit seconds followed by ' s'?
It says 12 h 59 min 42 s
